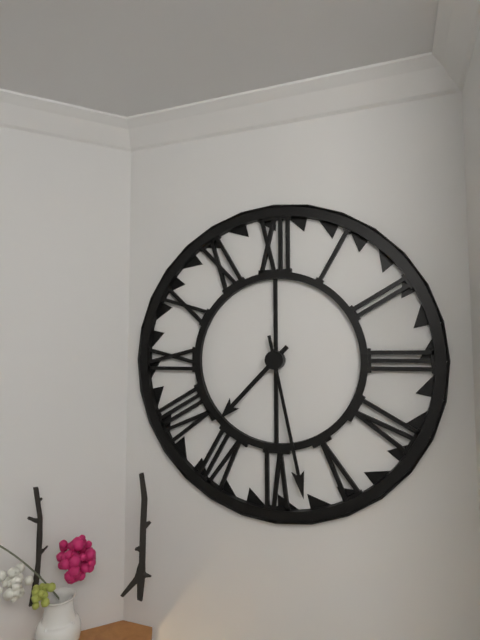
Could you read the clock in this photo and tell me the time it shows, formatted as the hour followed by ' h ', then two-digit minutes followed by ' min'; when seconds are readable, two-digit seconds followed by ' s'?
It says 7 h 28 min
